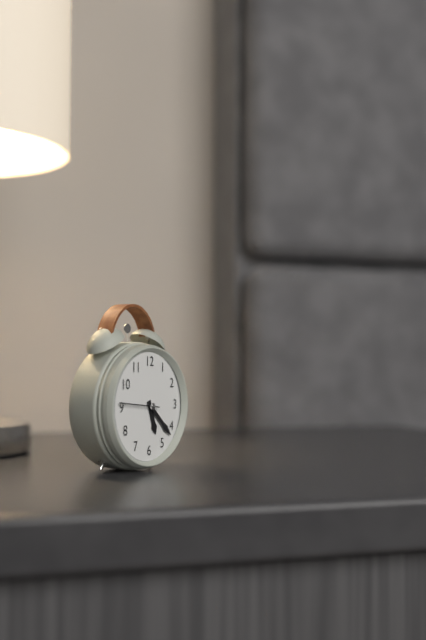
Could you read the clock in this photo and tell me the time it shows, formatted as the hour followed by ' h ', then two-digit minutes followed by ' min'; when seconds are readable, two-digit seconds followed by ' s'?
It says 5 h 22 min
